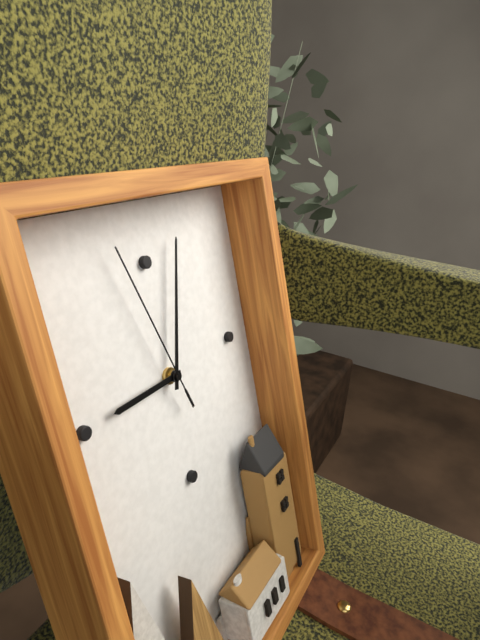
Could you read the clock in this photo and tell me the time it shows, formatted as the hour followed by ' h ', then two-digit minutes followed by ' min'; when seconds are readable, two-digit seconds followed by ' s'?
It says 9 h 03 min 57 s
